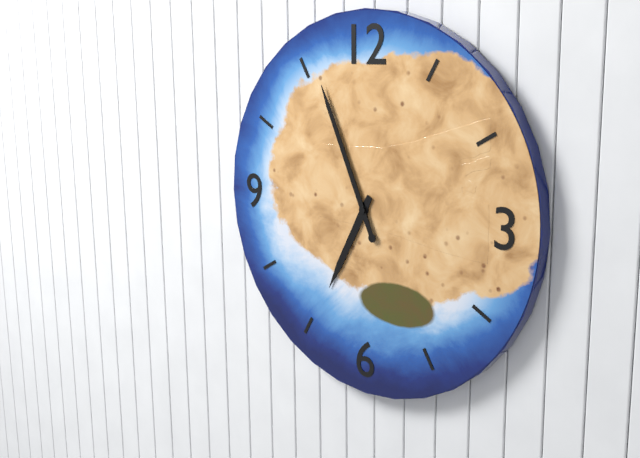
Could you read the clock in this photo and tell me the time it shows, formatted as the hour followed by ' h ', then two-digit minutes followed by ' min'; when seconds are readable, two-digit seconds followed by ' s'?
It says 6 h 56 min
